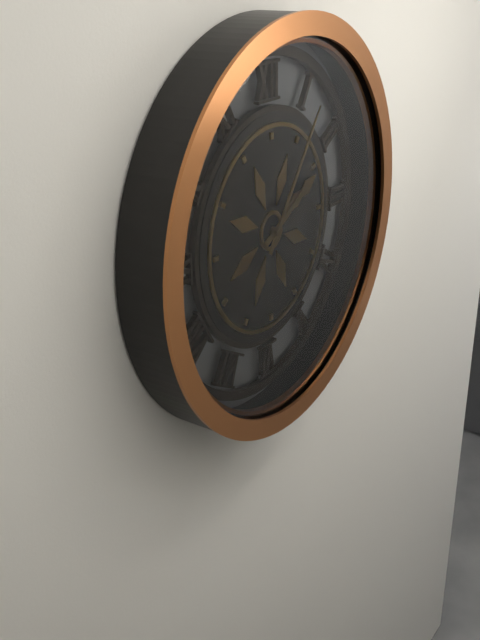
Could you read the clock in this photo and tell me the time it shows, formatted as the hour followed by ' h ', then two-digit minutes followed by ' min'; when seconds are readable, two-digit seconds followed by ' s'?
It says 2 h 06 min
